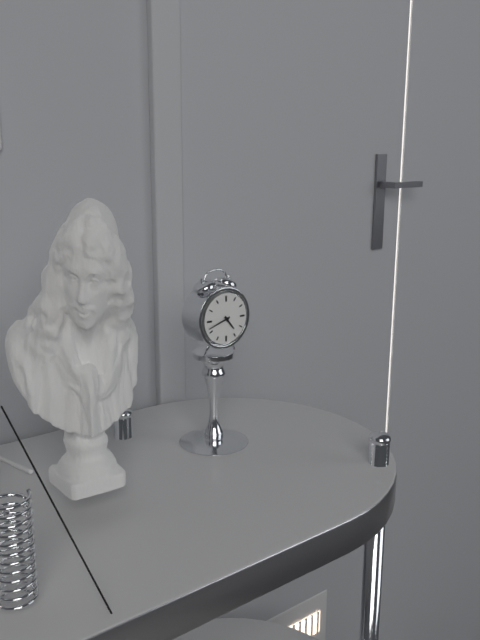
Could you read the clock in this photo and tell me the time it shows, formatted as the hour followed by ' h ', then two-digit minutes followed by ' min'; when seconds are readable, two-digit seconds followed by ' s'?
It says 4 h 42 min
